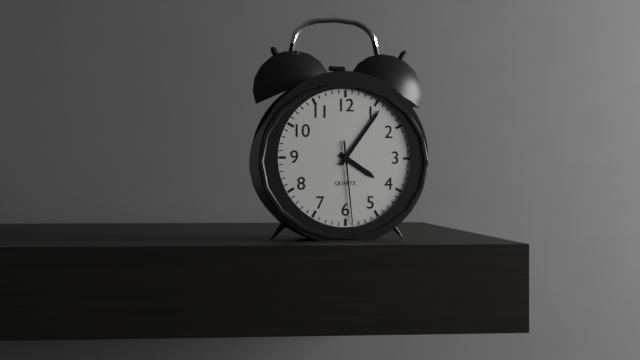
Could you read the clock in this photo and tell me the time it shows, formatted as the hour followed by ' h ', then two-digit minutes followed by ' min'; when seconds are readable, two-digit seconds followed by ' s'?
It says 4 h 06 min 29 s
